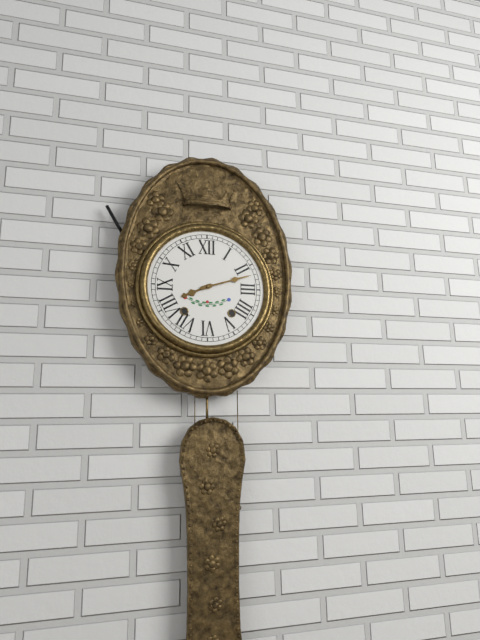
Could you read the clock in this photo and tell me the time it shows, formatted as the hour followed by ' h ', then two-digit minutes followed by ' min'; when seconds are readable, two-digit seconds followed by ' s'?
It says 8 h 12 min
